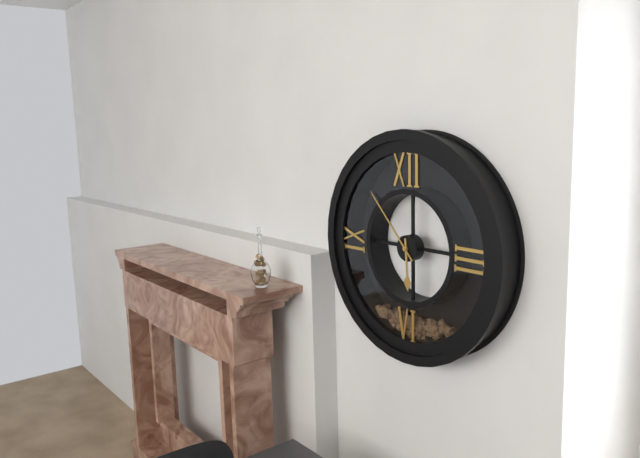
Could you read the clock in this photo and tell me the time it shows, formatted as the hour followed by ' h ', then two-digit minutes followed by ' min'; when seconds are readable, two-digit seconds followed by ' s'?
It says 5 h 53 min
